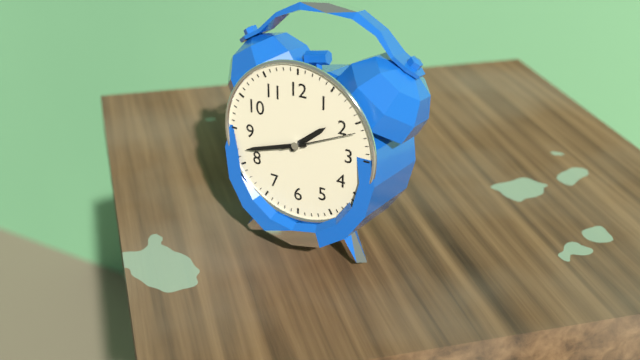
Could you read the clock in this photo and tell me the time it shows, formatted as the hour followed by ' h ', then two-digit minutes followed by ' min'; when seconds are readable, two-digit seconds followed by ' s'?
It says 1 h 42 min 11 s
